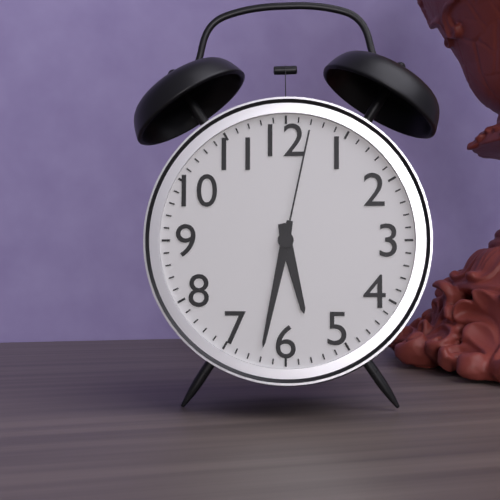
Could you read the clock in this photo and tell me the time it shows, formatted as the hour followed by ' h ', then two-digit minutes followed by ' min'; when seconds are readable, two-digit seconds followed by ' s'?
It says 5 h 32 min 02 s
